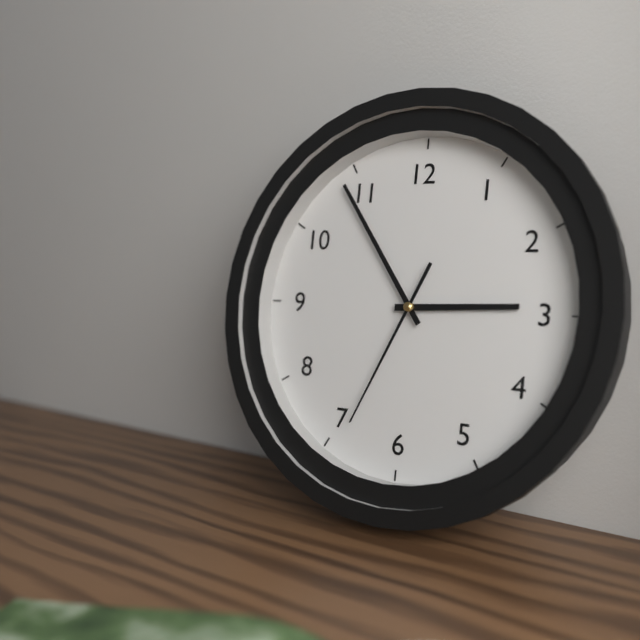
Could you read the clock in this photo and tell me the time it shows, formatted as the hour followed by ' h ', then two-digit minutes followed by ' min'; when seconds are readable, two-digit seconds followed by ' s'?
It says 2 h 54 min 34 s
